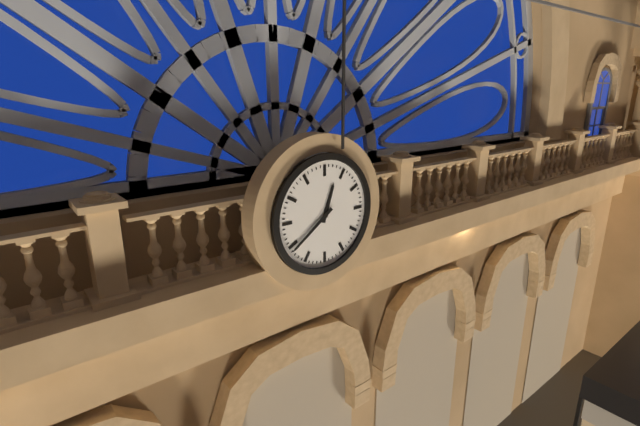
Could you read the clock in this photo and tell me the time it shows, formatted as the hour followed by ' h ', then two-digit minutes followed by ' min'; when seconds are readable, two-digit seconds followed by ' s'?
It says 12 h 39 min
